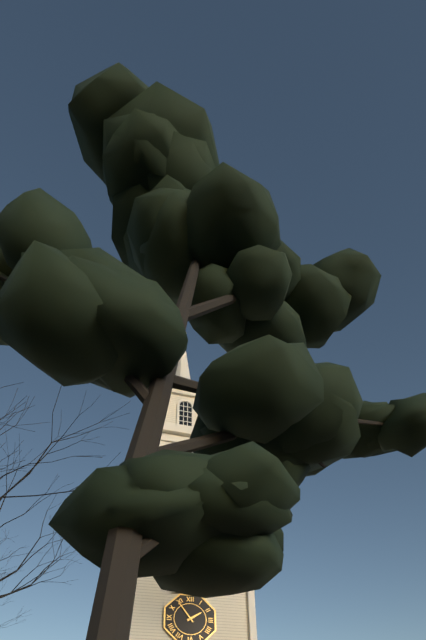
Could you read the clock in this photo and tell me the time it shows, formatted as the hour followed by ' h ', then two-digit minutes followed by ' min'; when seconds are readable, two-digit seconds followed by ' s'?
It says 1 h 54 min
